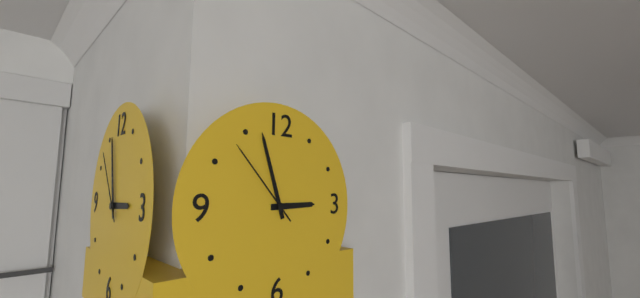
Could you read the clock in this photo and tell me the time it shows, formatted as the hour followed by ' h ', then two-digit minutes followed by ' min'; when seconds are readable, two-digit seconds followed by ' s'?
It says 2 h 57 min 53 s
